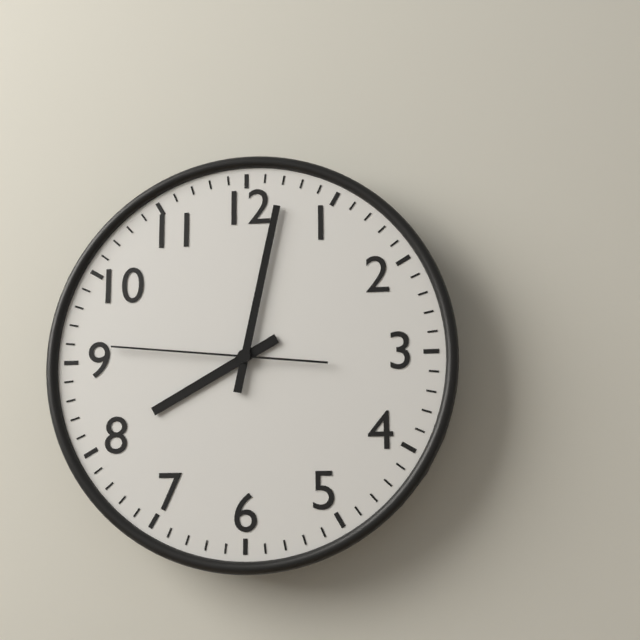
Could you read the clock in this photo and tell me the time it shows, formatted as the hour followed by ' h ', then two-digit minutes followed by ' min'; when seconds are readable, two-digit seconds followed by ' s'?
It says 8 h 02 min 46 s
